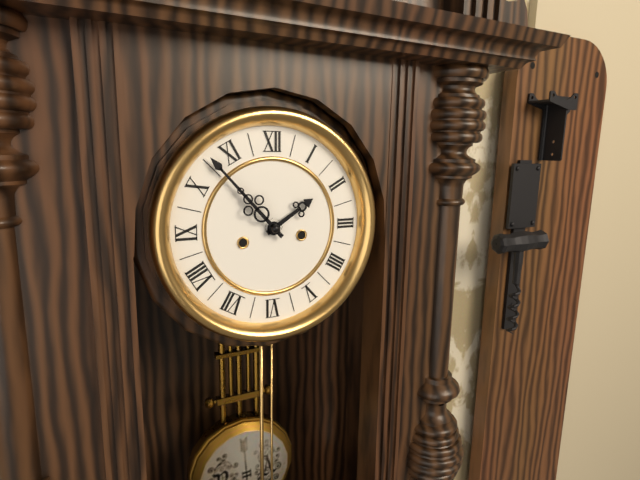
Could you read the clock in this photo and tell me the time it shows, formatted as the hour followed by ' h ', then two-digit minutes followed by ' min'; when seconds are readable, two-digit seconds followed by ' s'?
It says 1 h 53 min
